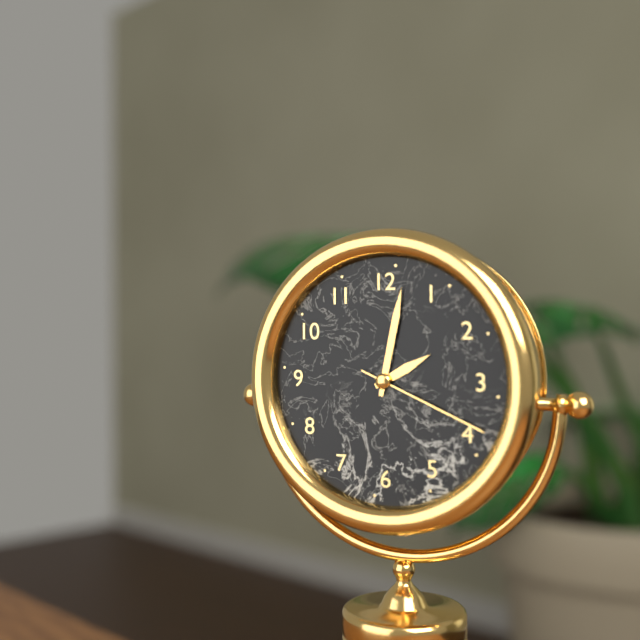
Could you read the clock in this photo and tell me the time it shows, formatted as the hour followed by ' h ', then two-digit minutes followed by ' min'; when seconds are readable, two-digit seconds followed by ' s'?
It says 2 h 02 min 19 s
